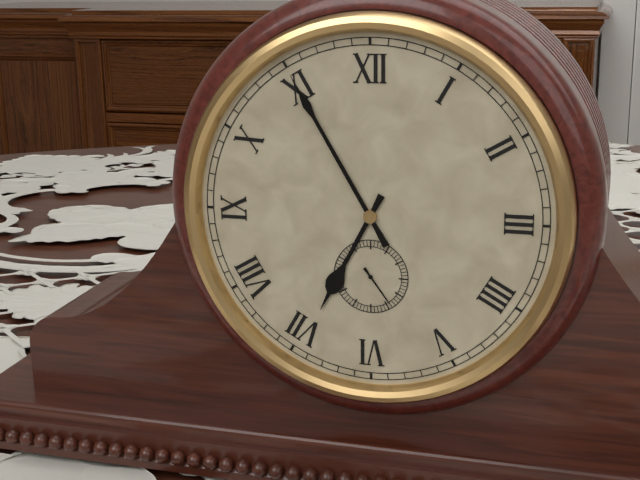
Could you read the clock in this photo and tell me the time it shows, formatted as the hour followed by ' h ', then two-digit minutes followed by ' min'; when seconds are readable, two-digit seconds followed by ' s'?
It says 6 h 55 min 24 s
